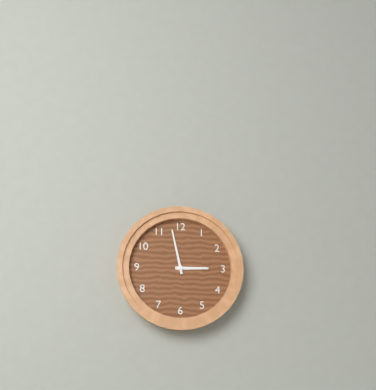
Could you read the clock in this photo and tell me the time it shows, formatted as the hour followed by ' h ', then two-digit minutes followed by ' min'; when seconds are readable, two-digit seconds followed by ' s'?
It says 2 h 58 min
